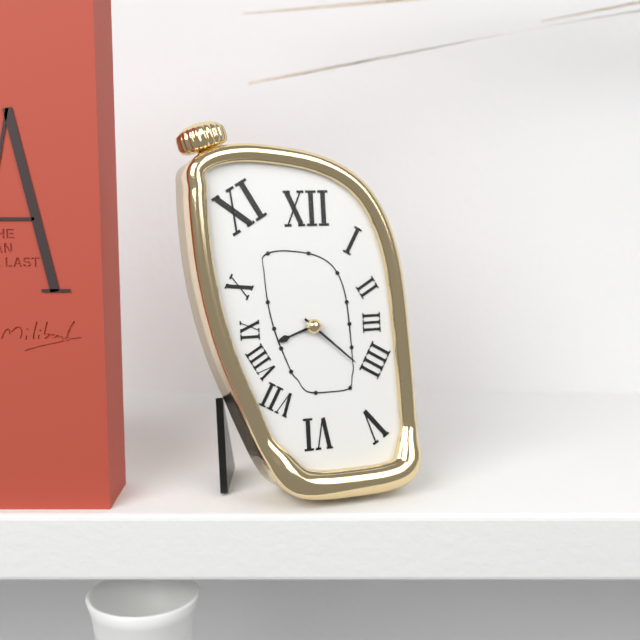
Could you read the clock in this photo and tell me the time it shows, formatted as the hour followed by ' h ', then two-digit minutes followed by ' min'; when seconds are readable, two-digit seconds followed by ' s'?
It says 8 h 22 min
